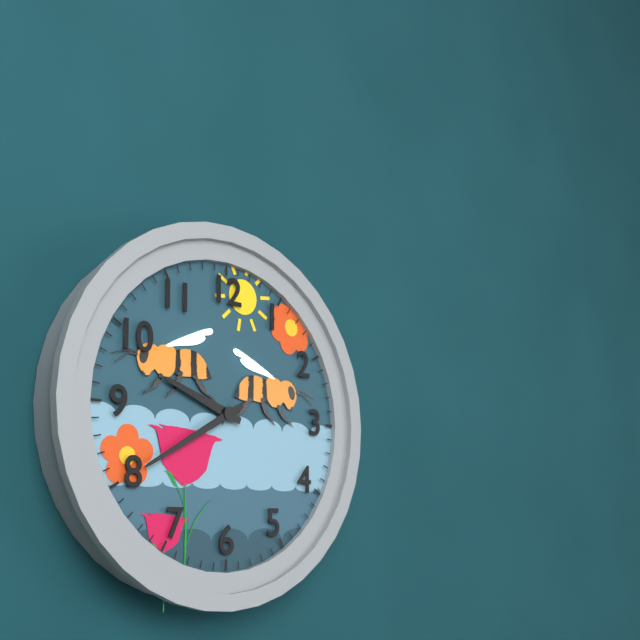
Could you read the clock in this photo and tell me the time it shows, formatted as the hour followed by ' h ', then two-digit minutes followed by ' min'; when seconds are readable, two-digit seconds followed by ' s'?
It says 9 h 40 min
